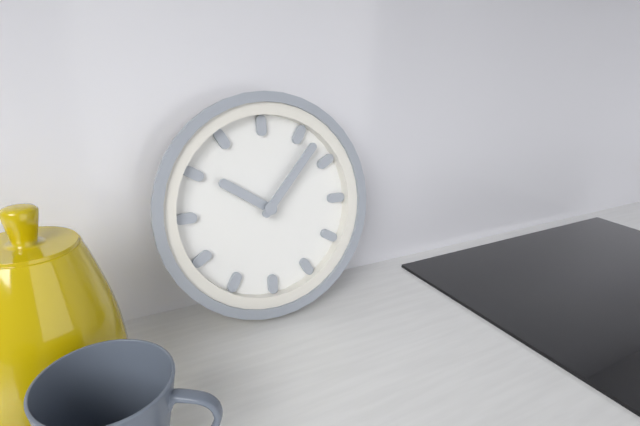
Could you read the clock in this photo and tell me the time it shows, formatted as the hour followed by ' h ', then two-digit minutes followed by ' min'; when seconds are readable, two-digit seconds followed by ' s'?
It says 10 h 07 min
